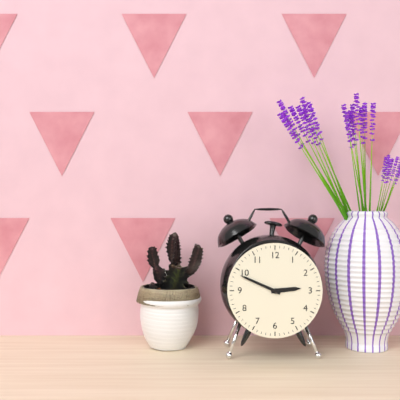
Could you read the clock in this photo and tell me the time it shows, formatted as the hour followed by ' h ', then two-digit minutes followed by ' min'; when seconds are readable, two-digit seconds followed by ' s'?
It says 2 h 49 min
